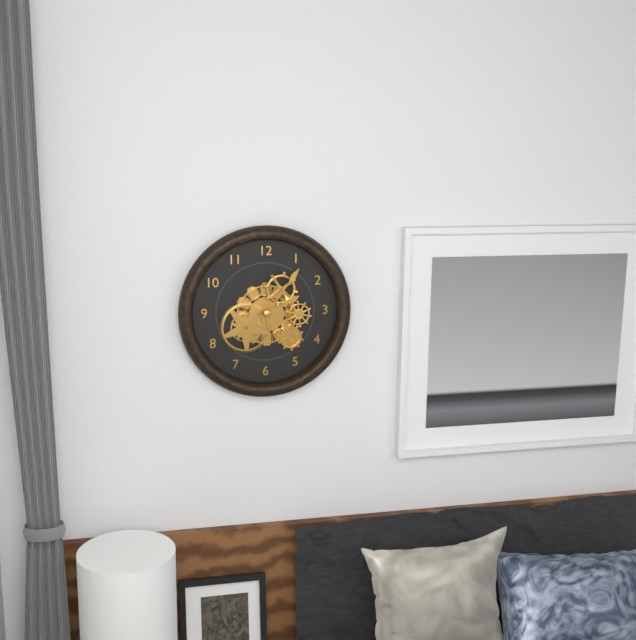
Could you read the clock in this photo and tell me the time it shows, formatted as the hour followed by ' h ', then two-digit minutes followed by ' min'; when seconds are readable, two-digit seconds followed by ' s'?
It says 2 h 06 min
